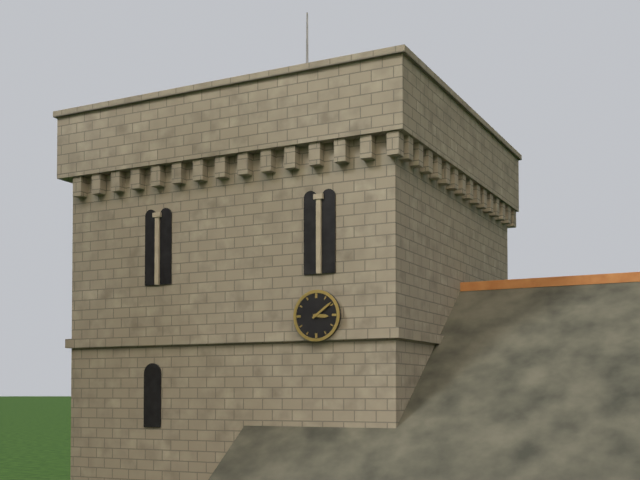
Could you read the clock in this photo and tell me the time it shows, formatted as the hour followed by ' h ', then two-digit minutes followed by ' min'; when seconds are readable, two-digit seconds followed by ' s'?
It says 3 h 09 min
